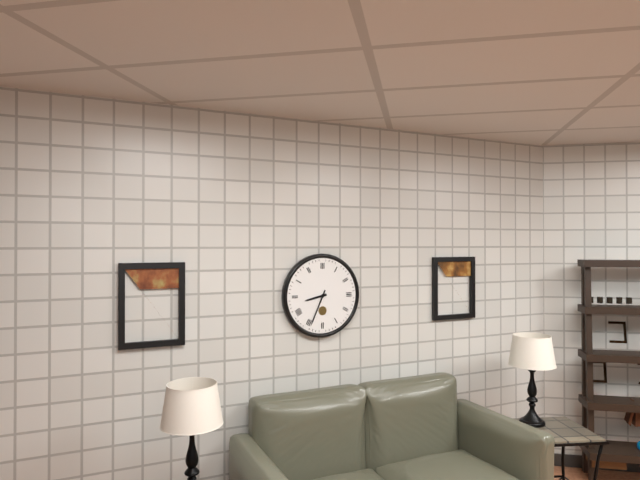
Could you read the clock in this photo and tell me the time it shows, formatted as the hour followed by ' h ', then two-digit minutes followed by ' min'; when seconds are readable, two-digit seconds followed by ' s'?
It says 8 h 34 min
